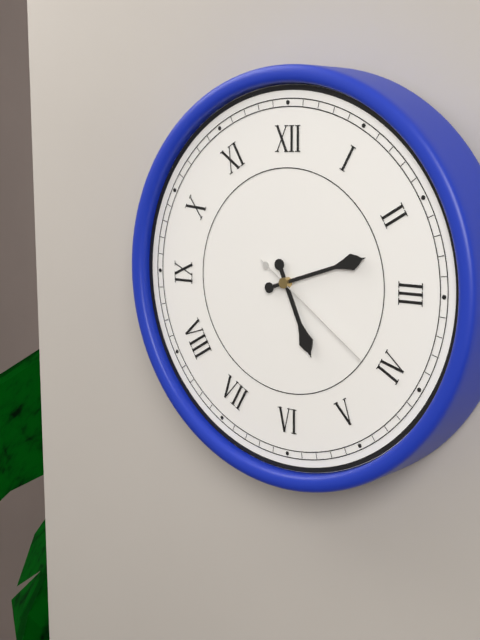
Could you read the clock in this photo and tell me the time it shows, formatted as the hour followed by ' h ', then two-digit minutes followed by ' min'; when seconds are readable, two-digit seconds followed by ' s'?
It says 5 h 12 min 21 s
